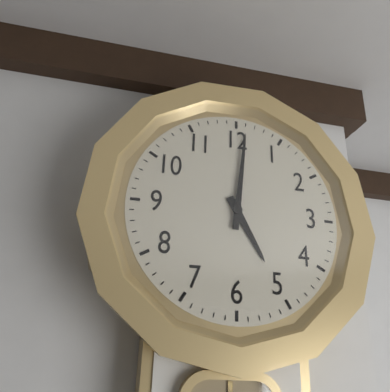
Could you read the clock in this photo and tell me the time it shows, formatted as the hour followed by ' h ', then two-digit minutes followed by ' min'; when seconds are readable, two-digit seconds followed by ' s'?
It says 5 h 01 min
